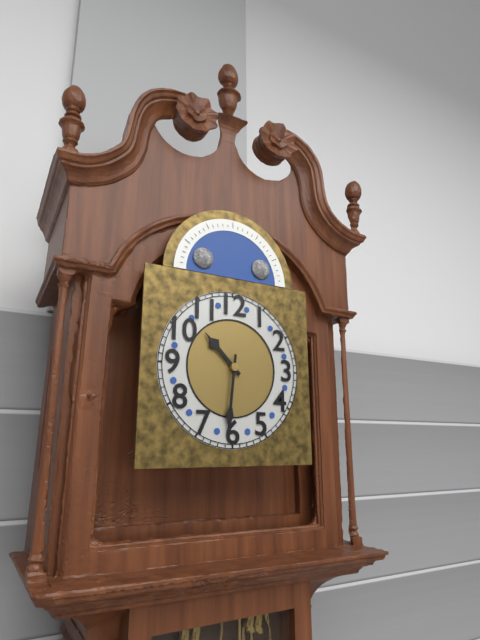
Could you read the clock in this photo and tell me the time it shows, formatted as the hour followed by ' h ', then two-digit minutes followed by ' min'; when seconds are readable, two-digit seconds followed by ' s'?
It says 10 h 31 min
